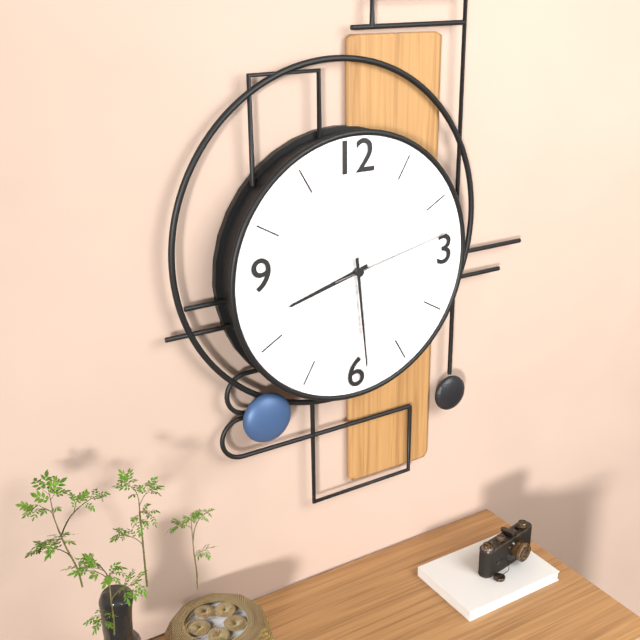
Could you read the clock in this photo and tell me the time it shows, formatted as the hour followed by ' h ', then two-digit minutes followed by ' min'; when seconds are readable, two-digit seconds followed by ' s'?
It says 8 h 29 min 13 s
